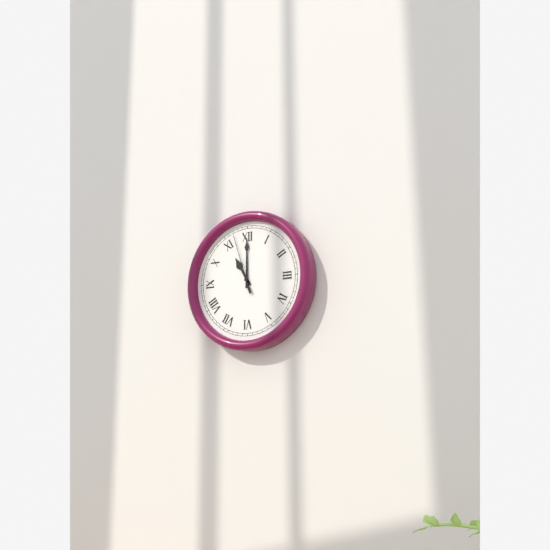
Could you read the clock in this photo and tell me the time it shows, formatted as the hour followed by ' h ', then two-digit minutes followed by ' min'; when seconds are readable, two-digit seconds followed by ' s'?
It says 11 h 00 min 57 s
